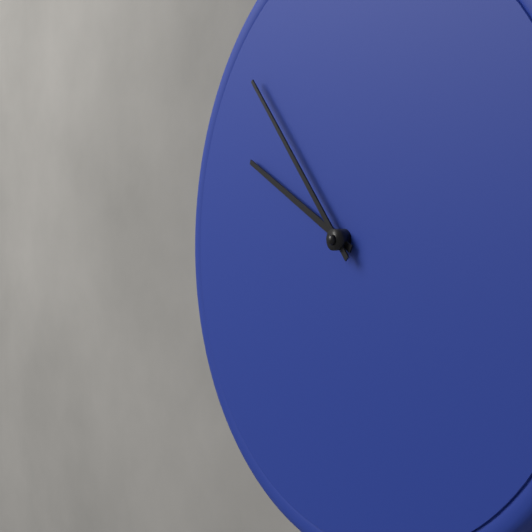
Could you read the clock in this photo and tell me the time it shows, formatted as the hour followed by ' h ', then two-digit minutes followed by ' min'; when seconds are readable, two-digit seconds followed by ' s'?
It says 9 h 53 min
